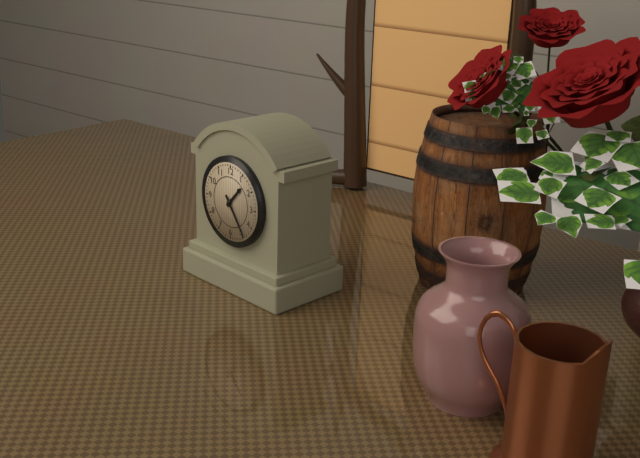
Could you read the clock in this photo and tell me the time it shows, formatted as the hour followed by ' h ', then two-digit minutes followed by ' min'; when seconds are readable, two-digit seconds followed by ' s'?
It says 1 h 24 min
